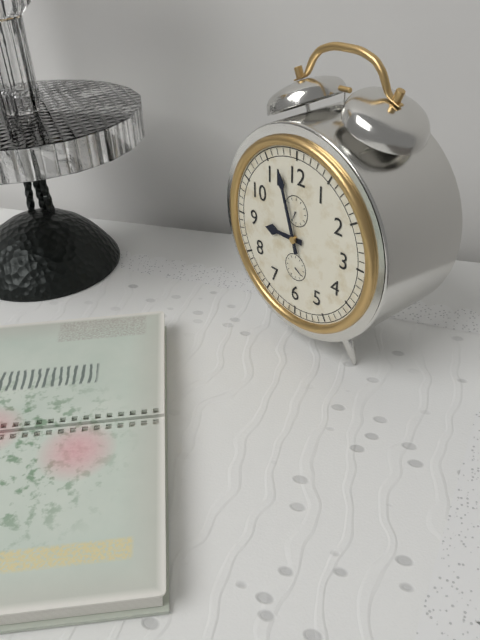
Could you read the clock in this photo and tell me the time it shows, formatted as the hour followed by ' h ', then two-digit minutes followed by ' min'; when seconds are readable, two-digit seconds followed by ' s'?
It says 8 h 57 min
